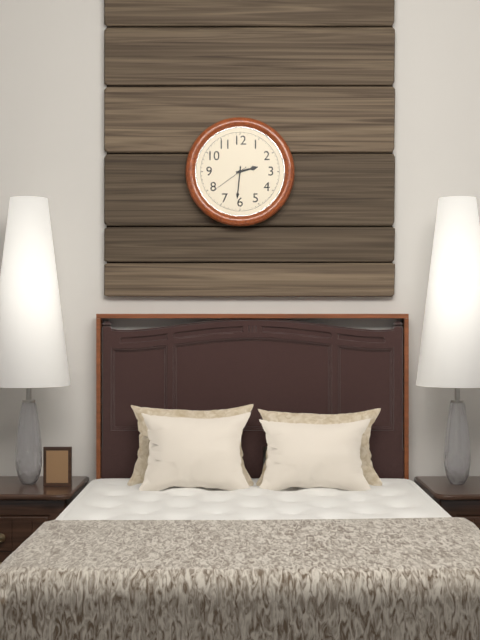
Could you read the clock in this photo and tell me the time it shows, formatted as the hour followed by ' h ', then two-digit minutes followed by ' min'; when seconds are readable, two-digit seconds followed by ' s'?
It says 2 h 31 min
